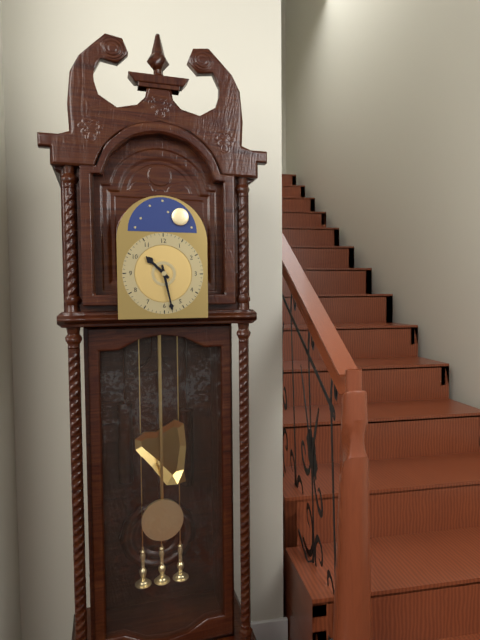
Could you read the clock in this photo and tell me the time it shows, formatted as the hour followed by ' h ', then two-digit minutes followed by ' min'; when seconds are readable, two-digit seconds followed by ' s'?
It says 10 h 28 min
